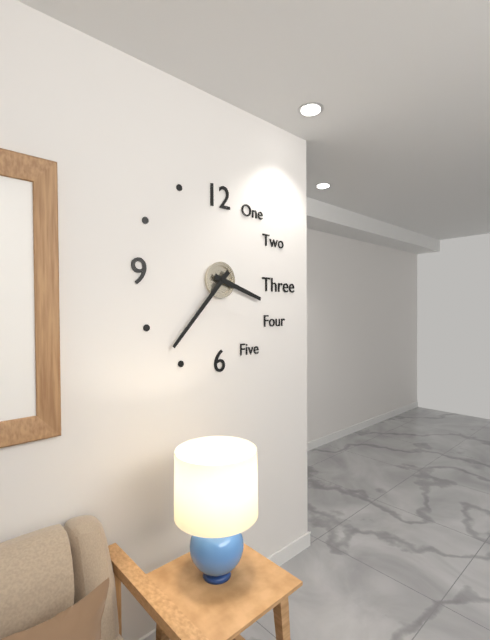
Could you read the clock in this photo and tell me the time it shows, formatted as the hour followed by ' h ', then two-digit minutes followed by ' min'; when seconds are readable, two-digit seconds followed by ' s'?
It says 3 h 37 min
